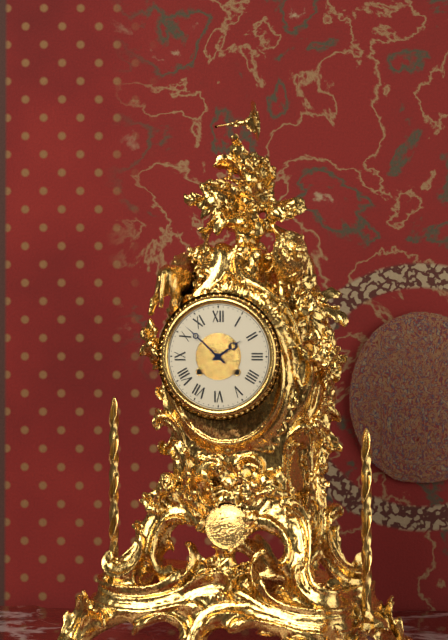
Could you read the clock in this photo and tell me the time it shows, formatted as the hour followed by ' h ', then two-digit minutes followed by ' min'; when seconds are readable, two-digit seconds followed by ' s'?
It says 1 h 52 min
